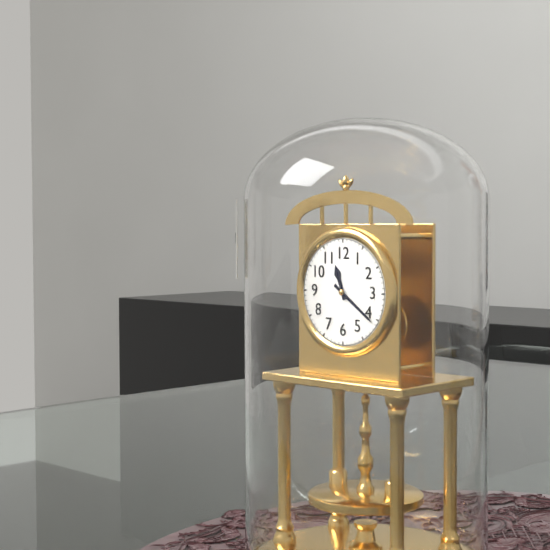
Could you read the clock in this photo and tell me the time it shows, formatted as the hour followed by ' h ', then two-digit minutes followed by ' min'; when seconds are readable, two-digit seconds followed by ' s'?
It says 11 h 21 min
